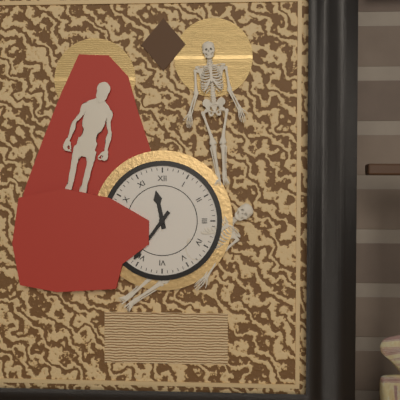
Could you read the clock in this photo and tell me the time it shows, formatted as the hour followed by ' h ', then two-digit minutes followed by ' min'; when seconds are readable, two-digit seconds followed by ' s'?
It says 11 h 36 min
